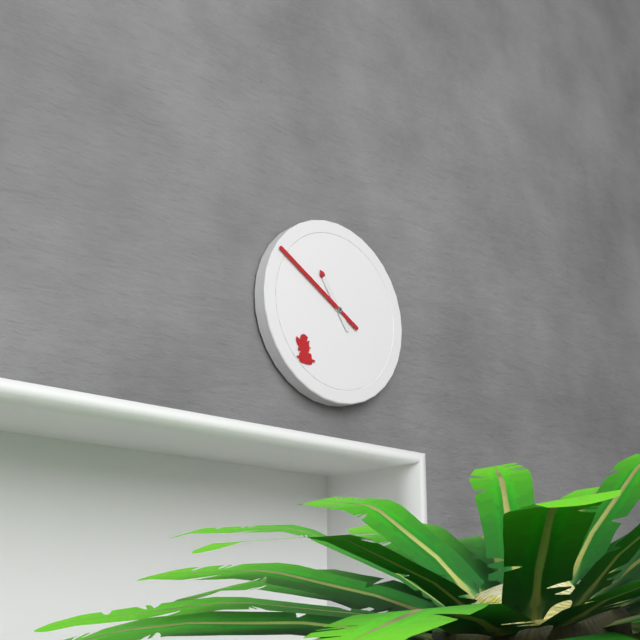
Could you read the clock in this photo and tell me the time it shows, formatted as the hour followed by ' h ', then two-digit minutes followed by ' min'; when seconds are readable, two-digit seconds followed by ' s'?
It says 10 h 50 min
